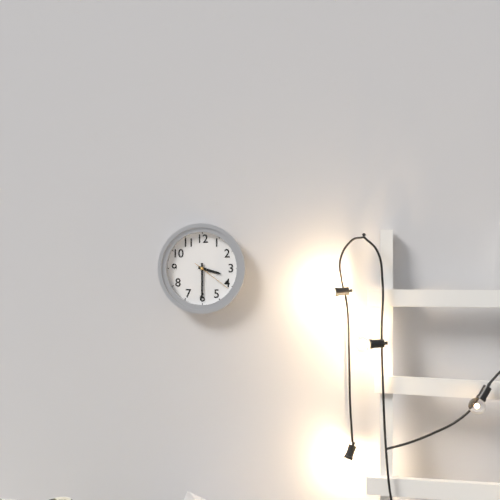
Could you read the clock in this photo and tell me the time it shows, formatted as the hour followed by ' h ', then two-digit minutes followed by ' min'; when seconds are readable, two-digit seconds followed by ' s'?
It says 3 h 30 min
